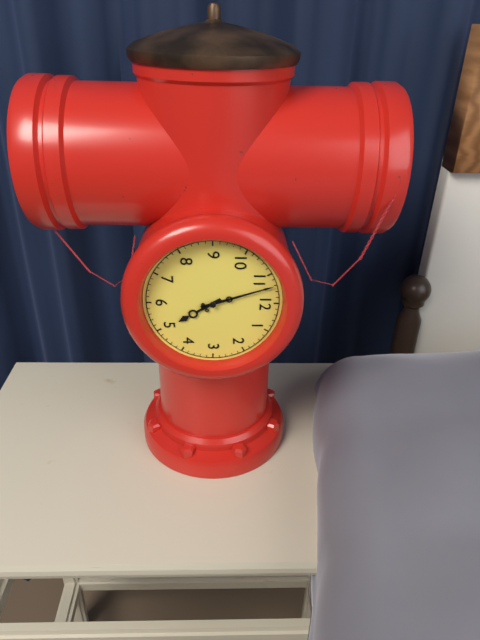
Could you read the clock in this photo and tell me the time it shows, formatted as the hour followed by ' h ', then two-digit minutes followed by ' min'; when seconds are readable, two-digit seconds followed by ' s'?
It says 4 h 57 min
